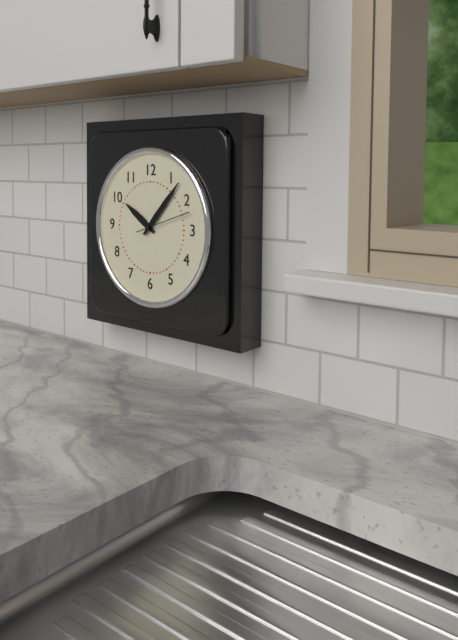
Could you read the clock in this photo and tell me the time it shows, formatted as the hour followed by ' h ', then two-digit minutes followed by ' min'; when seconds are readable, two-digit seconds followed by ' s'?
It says 10 h 07 min 12 s
